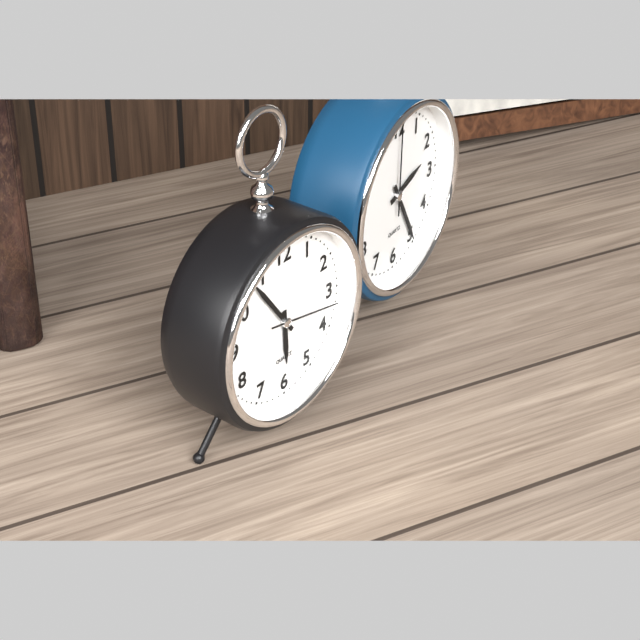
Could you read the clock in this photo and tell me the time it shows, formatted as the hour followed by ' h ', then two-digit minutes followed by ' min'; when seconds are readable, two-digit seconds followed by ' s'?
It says 5 h 54 min 17 s
